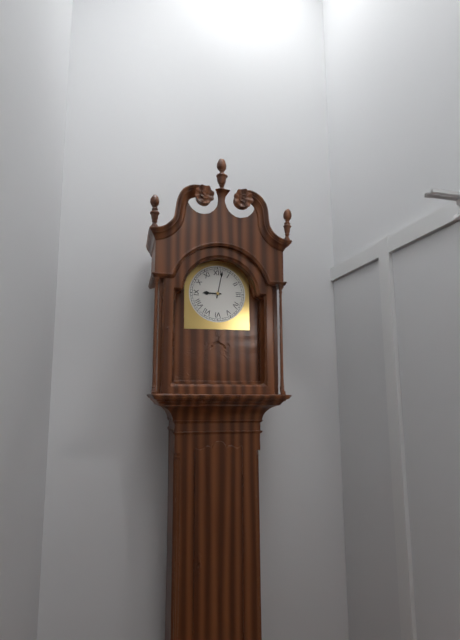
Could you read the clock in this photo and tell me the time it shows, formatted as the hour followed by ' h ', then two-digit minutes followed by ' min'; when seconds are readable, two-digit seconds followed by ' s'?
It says 9 h 02 min
